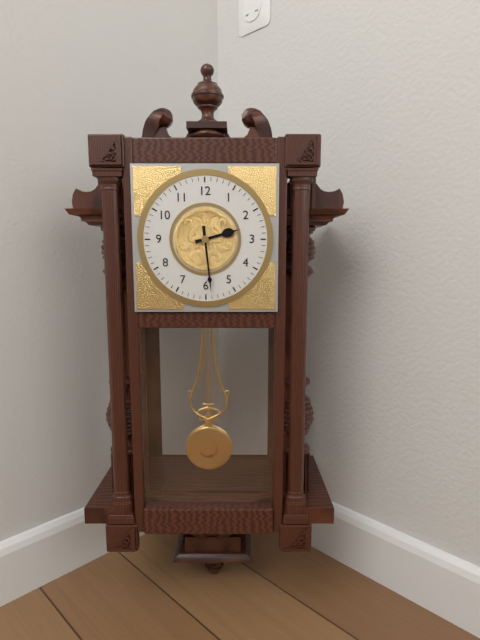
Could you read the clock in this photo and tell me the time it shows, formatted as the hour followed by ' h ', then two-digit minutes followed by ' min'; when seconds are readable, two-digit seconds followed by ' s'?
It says 2 h 29 min
